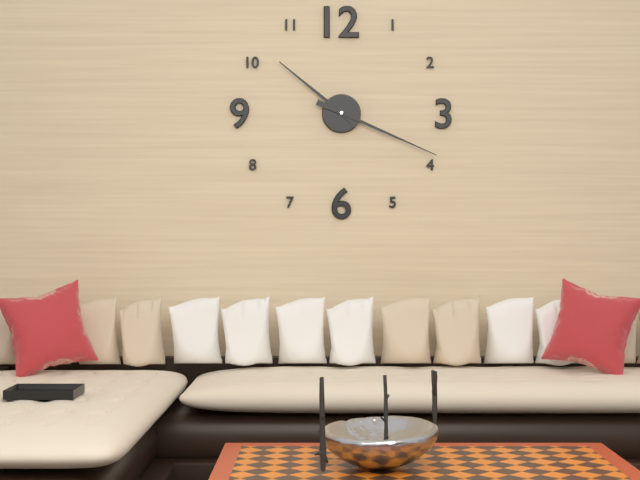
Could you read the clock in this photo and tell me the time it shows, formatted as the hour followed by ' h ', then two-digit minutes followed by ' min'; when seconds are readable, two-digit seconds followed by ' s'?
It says 10 h 19 min
